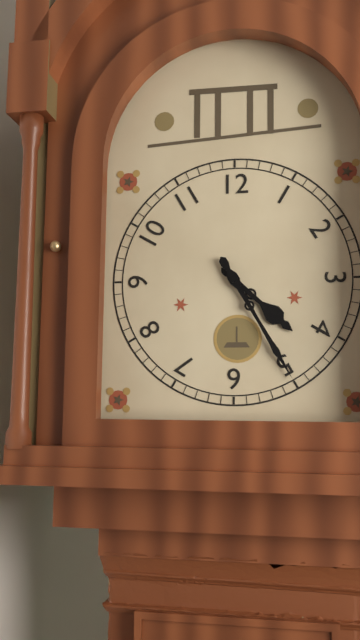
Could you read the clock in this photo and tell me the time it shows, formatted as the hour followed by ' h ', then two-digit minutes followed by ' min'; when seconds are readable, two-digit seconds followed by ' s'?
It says 4 h 25 min
